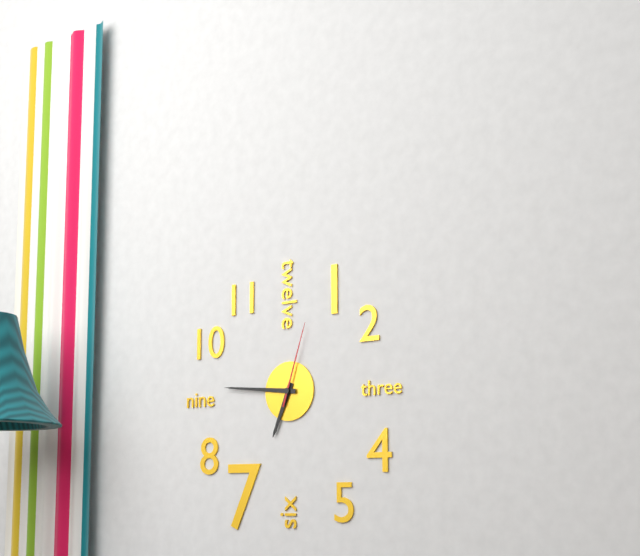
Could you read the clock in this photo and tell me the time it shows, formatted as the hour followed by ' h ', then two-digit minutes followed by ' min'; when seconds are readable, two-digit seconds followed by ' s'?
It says 6 h 46 min 03 s
